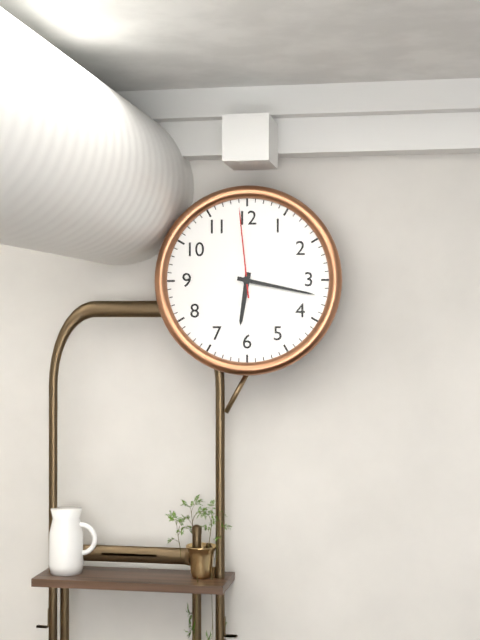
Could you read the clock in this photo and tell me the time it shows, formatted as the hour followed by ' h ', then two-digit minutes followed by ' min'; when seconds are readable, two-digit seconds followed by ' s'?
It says 6 h 17 min 59 s
